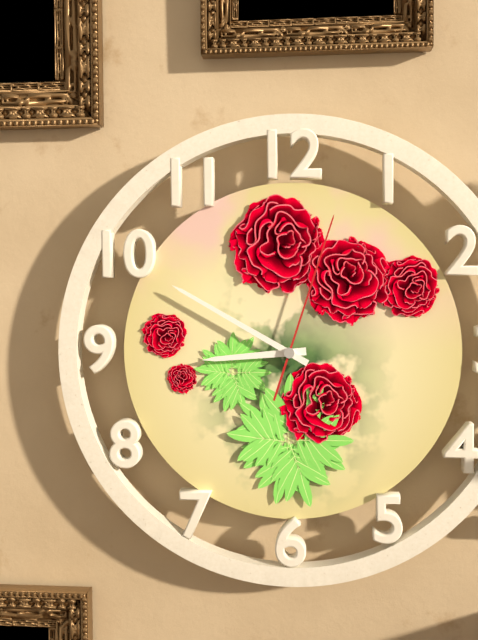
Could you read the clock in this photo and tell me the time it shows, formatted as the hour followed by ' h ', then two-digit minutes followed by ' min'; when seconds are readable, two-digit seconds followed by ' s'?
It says 8 h 50 min 03 s
